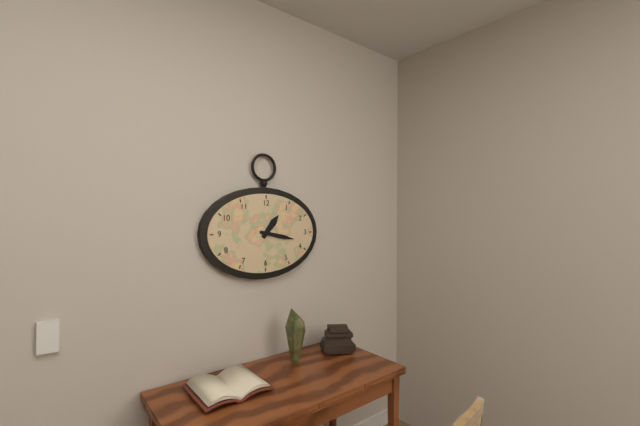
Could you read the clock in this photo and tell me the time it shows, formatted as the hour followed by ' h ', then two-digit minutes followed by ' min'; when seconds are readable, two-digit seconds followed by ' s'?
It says 1 h 17 min
